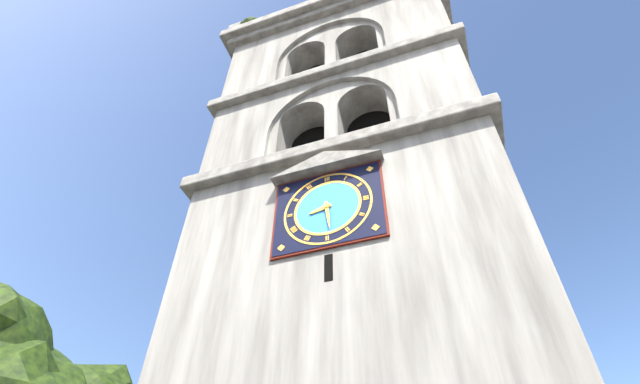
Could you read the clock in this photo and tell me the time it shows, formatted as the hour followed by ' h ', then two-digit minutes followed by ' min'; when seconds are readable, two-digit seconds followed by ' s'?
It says 8 h 29 min
